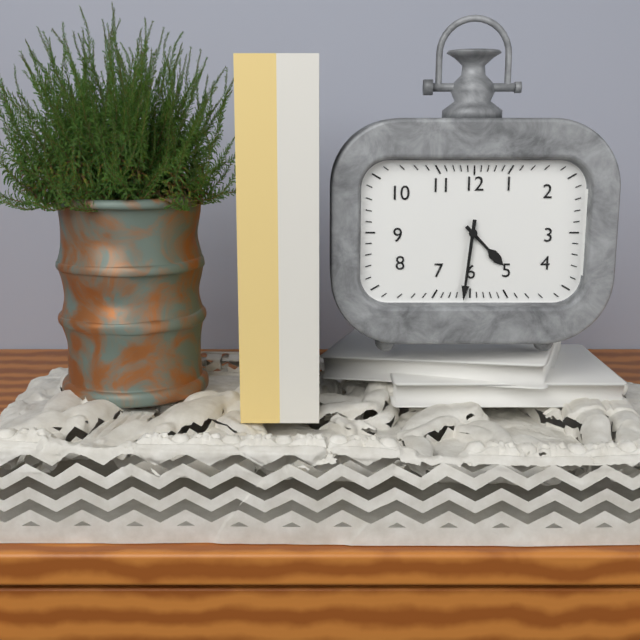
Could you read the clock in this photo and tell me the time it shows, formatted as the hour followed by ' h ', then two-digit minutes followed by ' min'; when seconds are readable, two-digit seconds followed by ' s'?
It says 4 h 31 min
